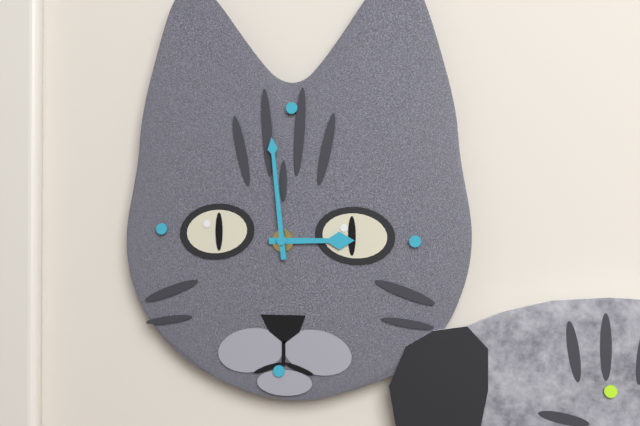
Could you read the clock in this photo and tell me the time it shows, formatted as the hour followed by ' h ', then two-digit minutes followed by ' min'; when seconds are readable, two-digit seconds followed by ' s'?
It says 2 h 59 min
